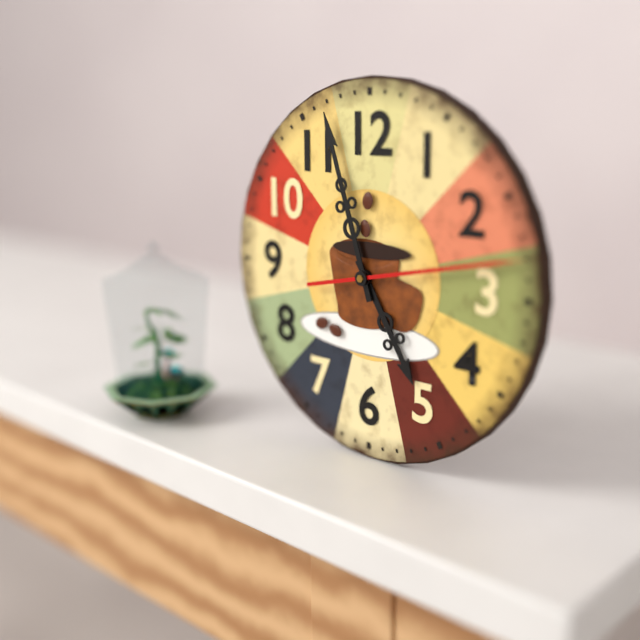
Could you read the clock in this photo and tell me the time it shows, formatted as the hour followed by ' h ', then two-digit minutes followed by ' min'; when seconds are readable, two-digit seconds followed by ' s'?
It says 4 h 57 min 13 s
